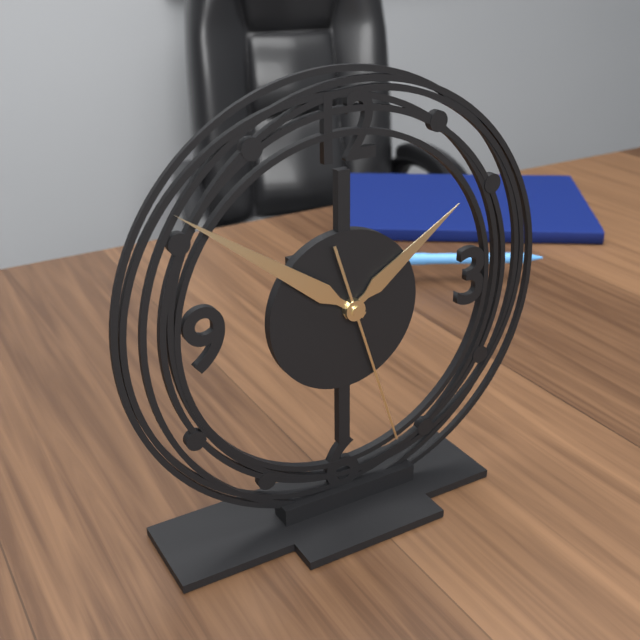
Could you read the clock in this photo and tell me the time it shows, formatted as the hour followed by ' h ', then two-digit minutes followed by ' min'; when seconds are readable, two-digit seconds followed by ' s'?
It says 1 h 51 min 27 s
